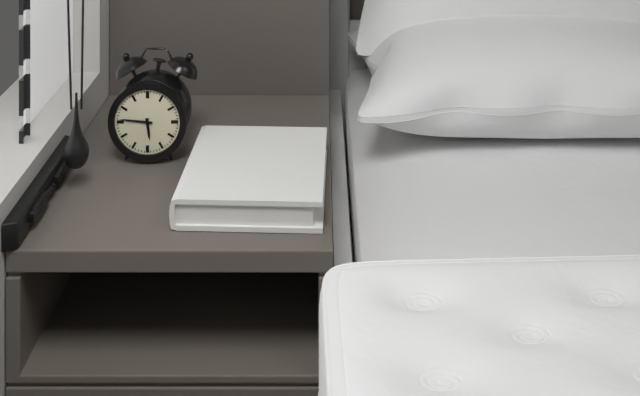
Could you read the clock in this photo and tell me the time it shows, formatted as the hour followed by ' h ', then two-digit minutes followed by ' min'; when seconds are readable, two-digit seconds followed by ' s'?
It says 5 h 46 min
